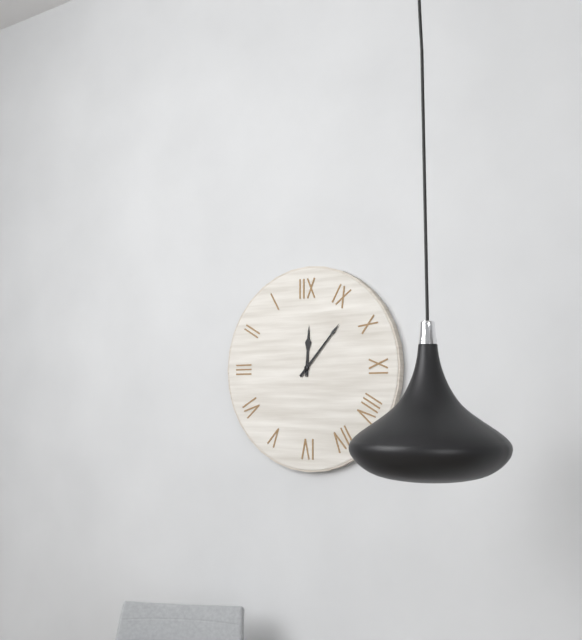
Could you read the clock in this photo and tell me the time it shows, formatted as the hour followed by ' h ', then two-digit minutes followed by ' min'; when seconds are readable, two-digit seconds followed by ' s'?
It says 12 h 07 min
